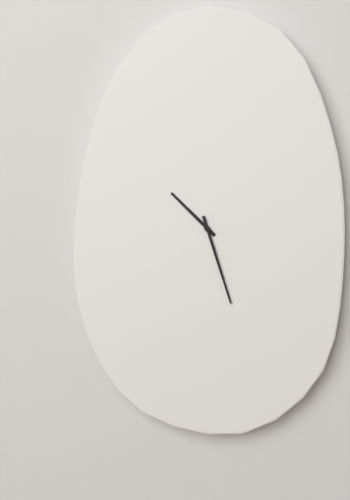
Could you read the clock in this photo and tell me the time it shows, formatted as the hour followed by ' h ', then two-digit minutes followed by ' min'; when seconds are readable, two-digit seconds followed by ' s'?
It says 10 h 27 min
